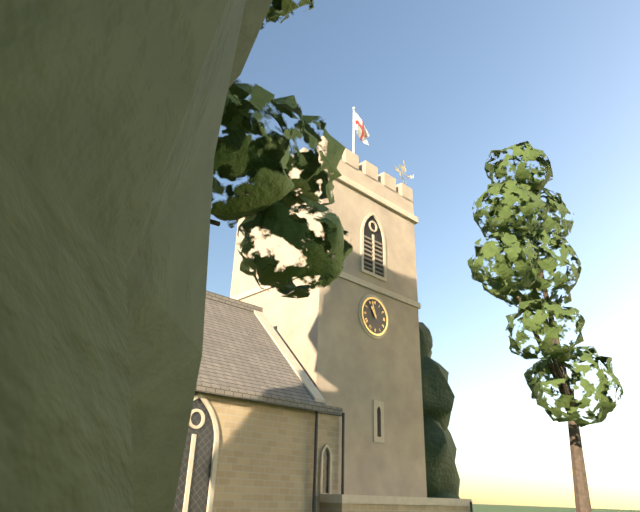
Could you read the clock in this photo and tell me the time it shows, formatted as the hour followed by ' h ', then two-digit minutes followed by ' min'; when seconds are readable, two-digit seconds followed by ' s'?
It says 10 h 57 min
